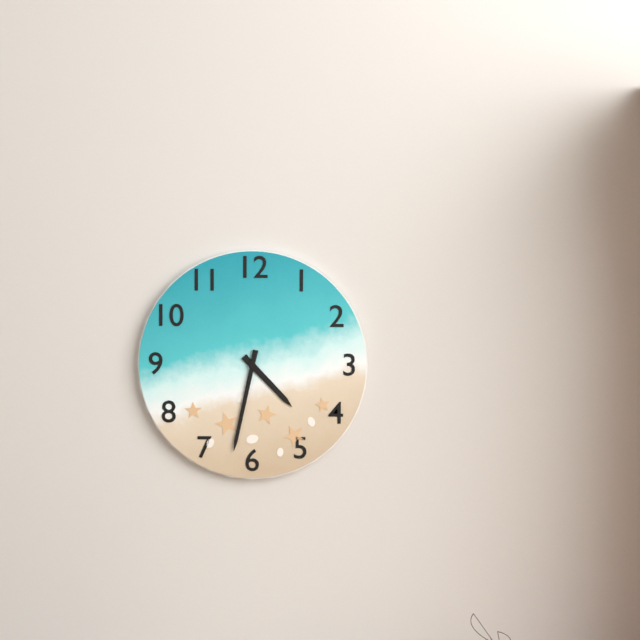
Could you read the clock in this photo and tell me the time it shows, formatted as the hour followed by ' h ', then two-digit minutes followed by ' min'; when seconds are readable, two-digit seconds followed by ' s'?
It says 4 h 32 min
